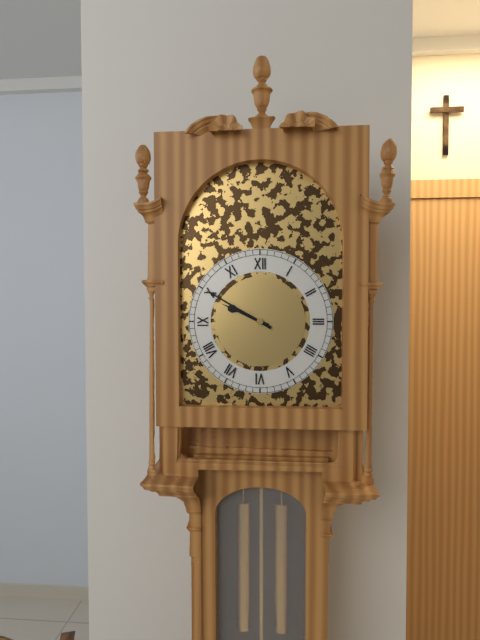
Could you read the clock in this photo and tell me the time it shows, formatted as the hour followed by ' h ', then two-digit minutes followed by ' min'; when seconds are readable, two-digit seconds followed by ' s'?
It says 9 h 50 min
